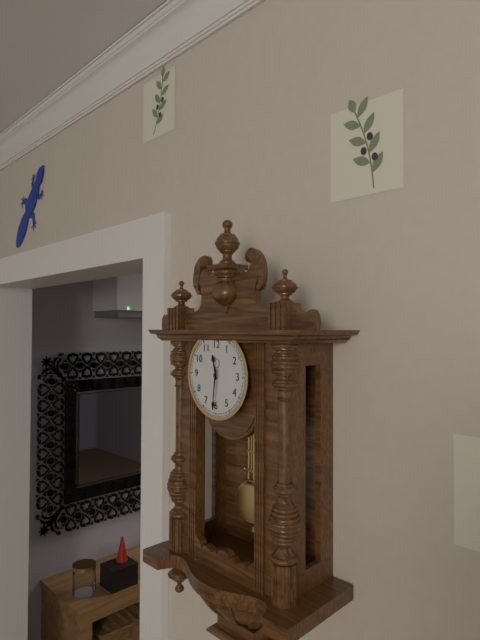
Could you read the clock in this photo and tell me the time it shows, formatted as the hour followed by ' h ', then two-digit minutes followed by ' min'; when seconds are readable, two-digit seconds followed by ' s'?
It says 11 h 31 min
